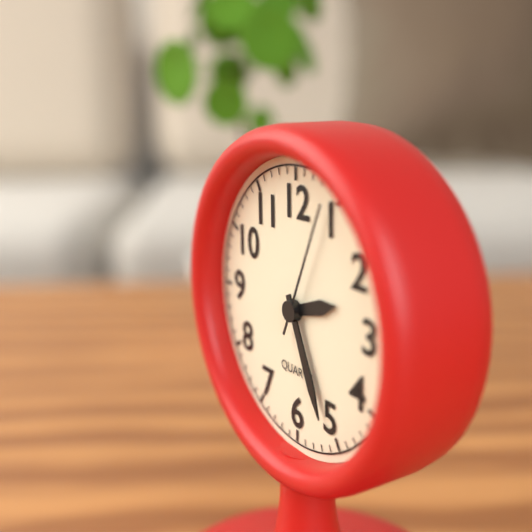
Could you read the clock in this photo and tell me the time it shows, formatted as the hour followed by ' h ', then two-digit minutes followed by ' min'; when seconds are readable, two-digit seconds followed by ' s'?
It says 2 h 26 min 04 s
